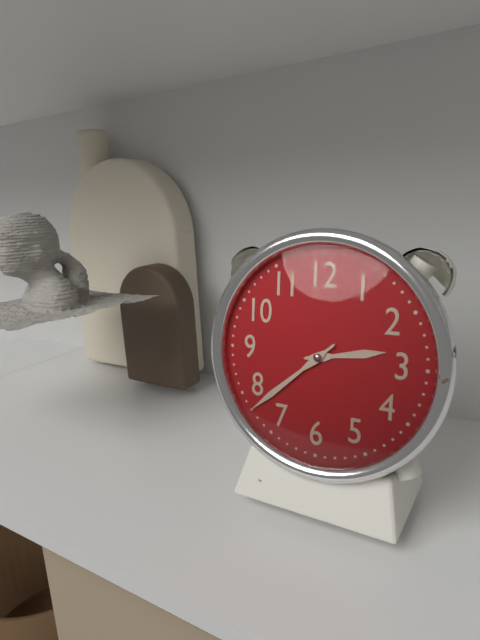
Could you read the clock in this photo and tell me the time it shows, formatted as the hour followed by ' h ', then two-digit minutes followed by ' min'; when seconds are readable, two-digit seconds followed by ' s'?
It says 2 h 38 min
